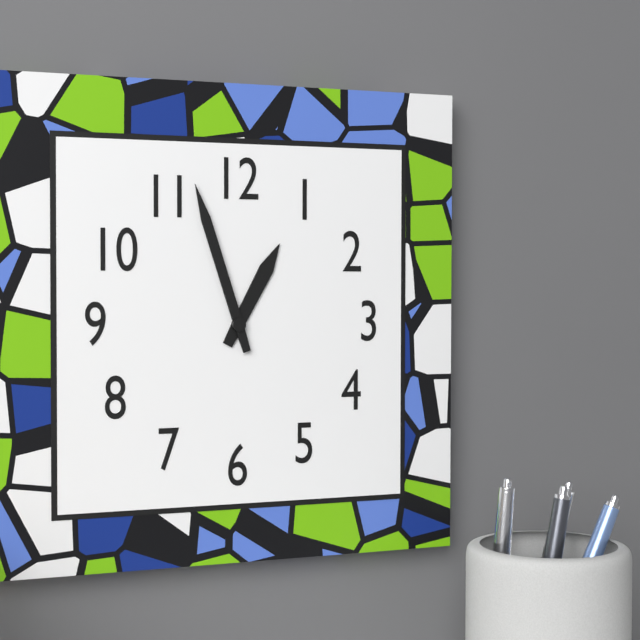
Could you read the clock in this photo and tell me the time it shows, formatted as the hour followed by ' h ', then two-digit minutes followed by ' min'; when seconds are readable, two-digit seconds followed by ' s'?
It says 12 h 57 min
